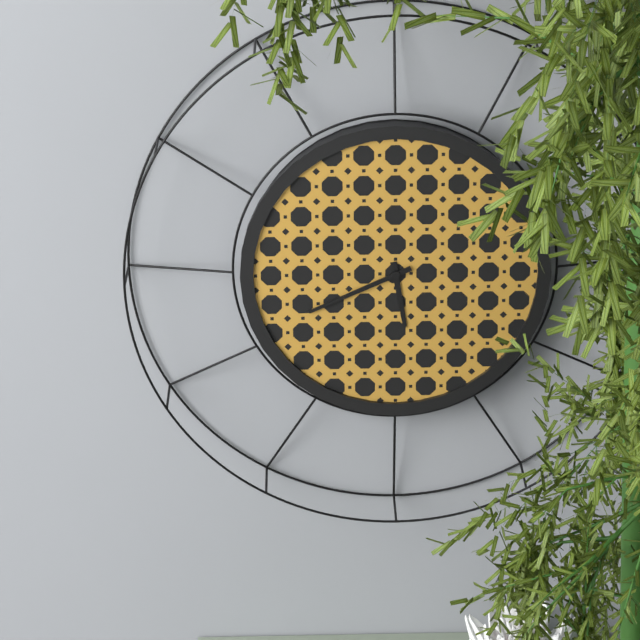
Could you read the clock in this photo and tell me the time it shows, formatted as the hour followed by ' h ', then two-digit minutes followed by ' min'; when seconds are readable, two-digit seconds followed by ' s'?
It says 5 h 41 min
